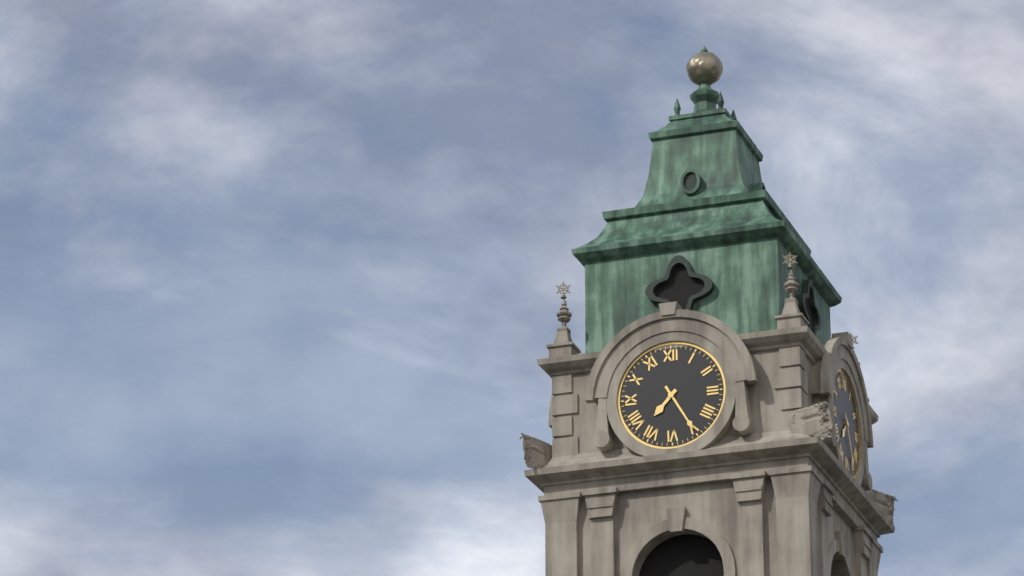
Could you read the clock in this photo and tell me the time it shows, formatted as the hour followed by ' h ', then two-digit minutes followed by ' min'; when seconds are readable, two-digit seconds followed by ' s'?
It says 7 h 25 min
